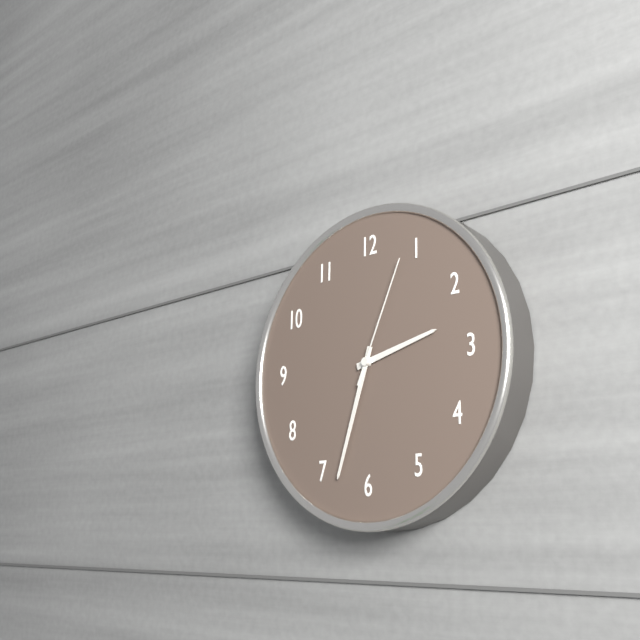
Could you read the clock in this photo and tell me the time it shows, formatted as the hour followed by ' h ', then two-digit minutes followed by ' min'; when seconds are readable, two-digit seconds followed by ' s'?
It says 2 h 33 min 04 s
